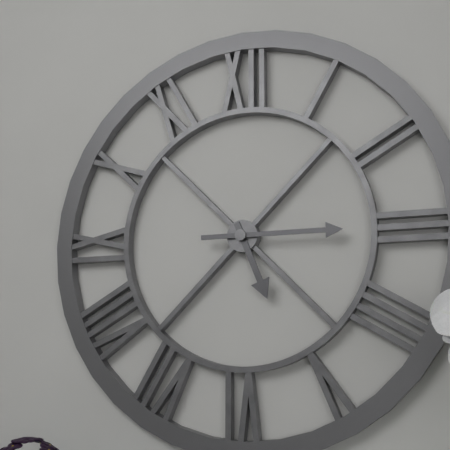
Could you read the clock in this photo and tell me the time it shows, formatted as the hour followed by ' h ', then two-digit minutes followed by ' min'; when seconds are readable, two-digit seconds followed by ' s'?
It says 5 h 15 min
